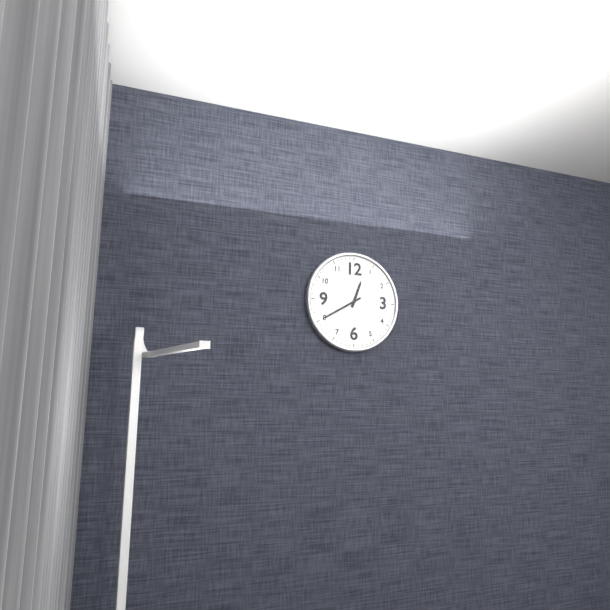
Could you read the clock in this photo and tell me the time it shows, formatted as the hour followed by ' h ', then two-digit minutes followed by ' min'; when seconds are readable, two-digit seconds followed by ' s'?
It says 12 h 40 min
